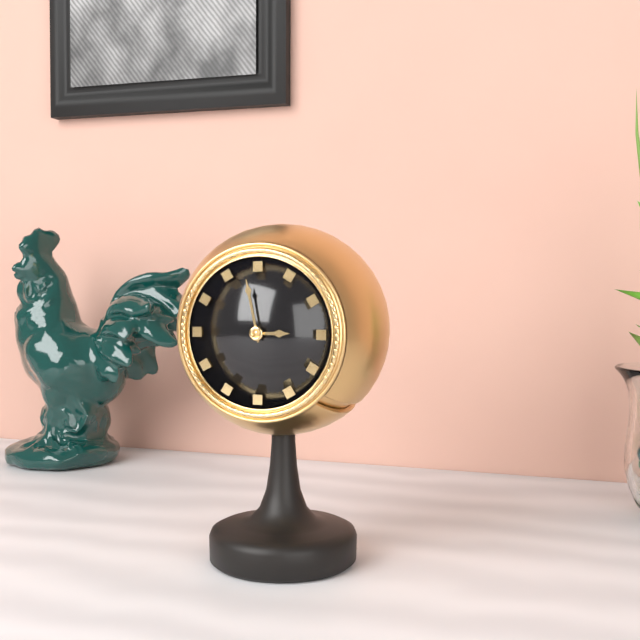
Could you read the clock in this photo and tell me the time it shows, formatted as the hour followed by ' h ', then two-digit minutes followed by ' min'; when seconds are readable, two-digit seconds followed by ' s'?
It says 2 h 58 min
